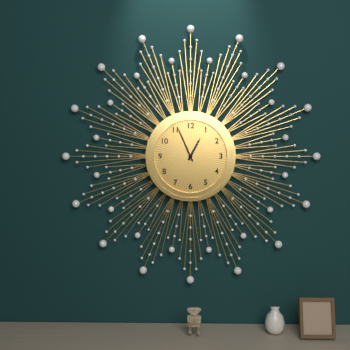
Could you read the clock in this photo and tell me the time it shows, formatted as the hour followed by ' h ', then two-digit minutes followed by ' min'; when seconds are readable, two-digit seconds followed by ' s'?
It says 12 h 56 min
